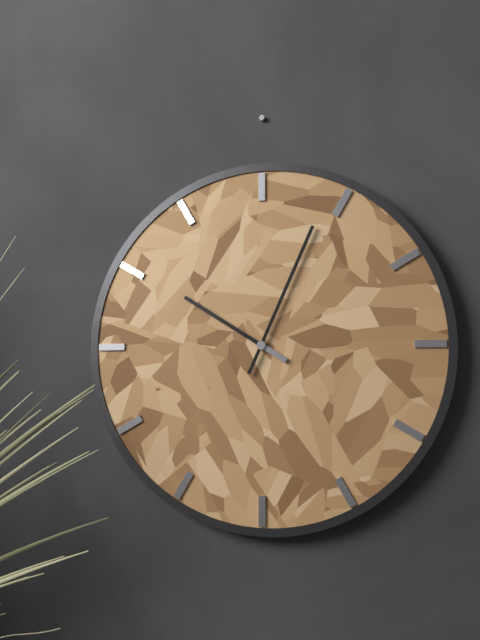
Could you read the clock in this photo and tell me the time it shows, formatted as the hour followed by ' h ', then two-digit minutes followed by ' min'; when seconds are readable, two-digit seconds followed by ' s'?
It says 10 h 04 min
